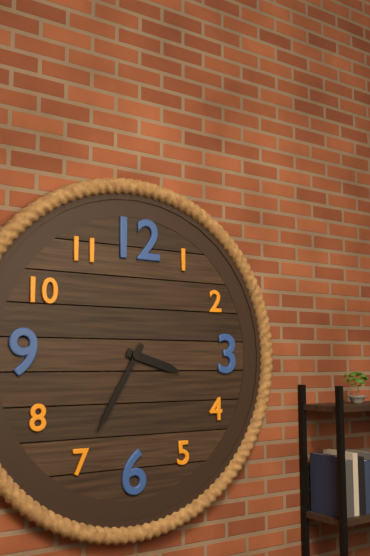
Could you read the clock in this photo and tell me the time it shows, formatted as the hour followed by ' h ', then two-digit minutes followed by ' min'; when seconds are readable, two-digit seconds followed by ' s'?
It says 3 h 35 min
